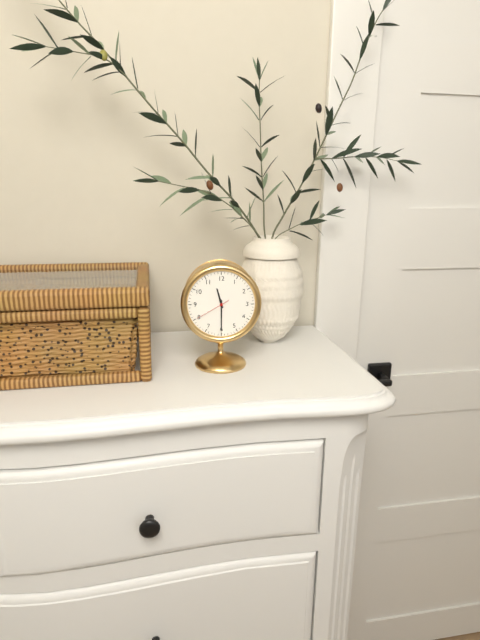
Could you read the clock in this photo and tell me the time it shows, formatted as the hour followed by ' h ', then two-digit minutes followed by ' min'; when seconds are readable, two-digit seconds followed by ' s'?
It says 11 h 30 min
